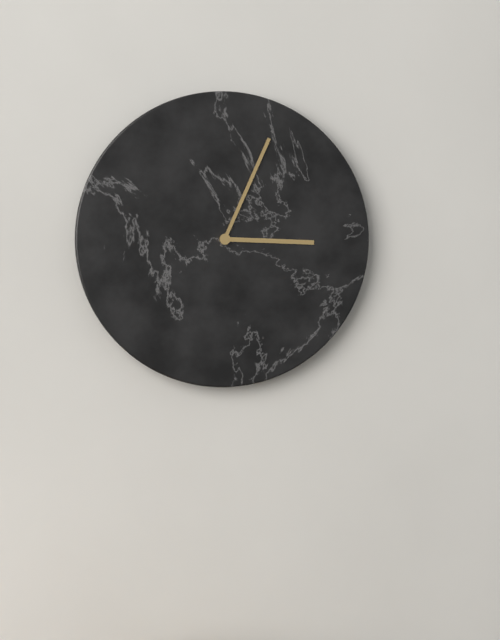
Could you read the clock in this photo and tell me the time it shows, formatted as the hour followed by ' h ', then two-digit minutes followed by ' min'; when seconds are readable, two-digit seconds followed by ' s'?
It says 3 h 04 min
